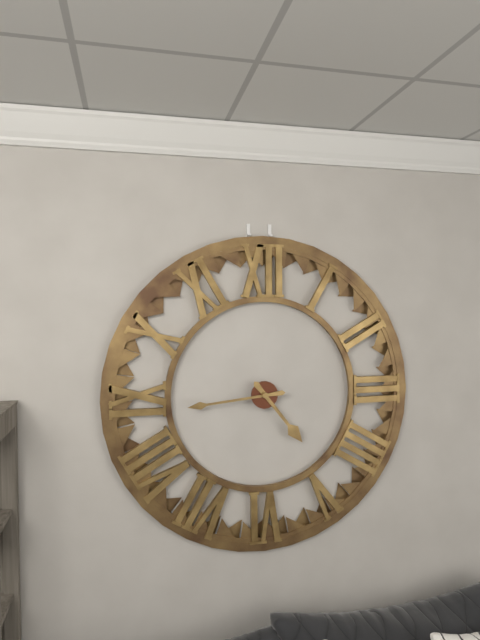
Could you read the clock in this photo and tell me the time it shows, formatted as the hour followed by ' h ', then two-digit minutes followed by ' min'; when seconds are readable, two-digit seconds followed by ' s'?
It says 4 h 44 min
